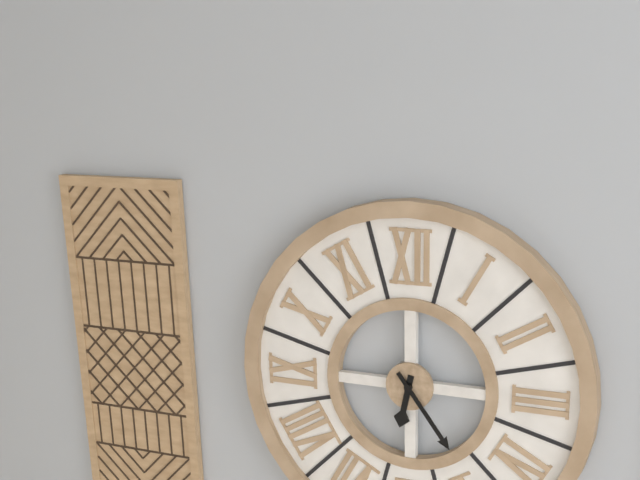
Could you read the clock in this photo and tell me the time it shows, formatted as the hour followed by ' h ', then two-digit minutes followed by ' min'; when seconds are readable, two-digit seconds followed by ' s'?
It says 6 h 24 min
